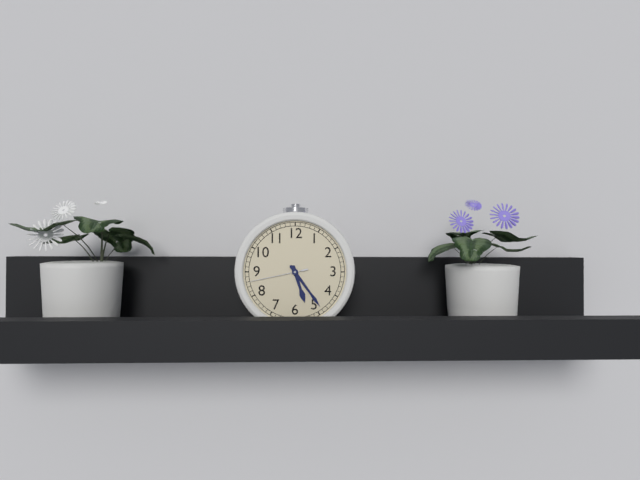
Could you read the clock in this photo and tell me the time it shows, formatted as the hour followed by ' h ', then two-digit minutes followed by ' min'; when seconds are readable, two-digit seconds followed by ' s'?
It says 5 h 24 min 43 s
